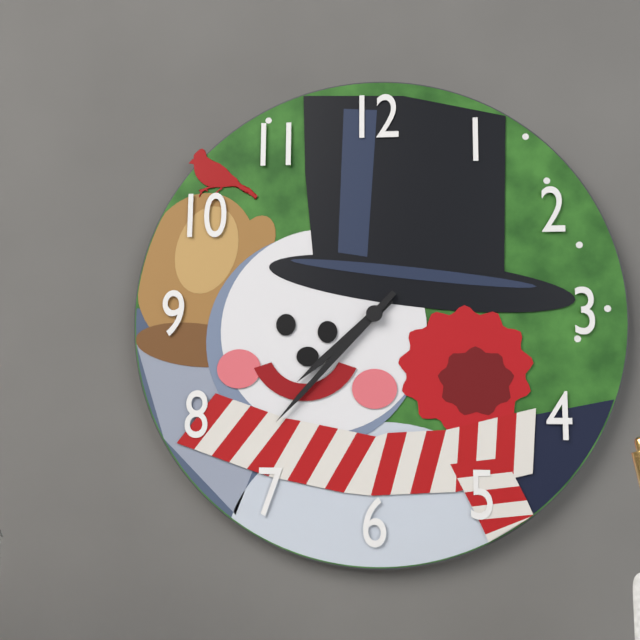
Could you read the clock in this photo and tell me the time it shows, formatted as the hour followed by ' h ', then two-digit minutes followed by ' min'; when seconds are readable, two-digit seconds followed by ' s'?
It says 7 h 37 min
